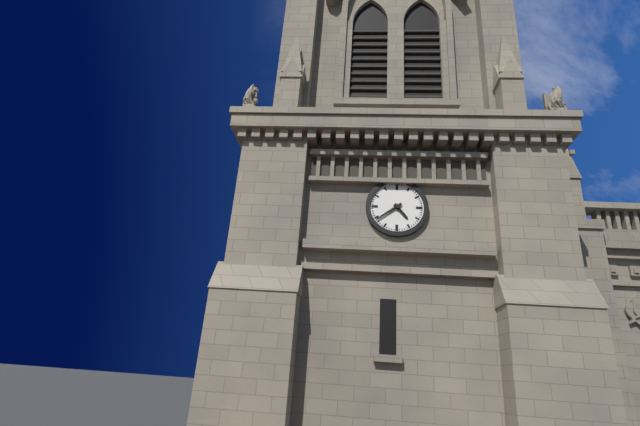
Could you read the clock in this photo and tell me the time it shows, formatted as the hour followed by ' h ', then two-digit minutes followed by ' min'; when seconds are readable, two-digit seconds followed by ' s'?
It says 4 h 39 min
